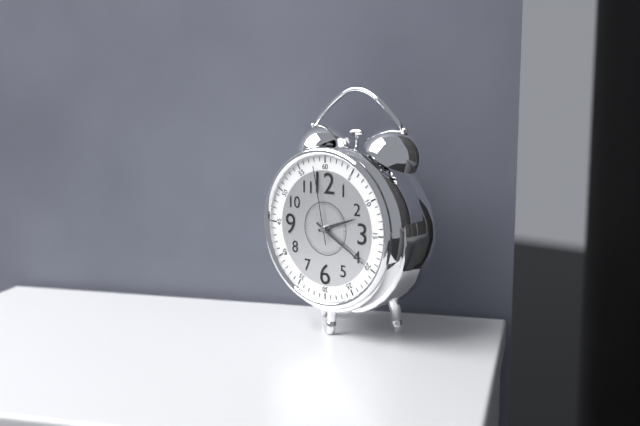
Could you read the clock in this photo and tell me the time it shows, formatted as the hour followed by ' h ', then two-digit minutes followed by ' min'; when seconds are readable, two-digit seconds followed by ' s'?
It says 2 h 20 min 58 s
